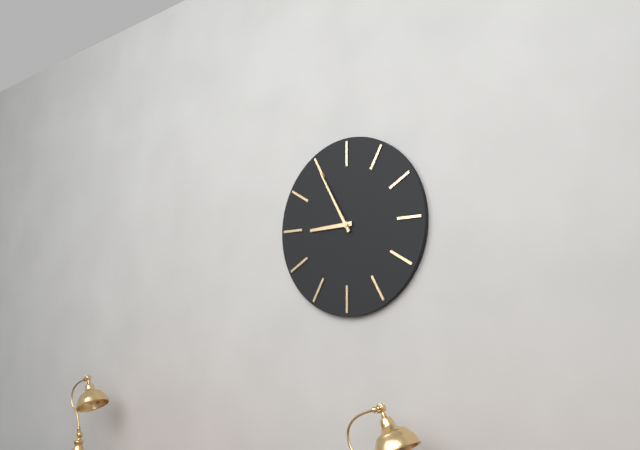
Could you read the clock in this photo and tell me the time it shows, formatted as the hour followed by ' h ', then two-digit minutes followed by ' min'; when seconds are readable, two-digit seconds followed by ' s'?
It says 8 h 55 min
